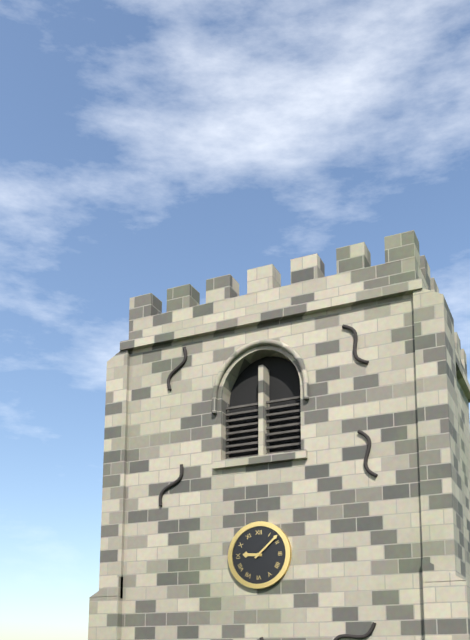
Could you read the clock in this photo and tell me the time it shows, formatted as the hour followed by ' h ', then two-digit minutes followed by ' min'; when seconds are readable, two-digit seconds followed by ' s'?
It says 9 h 08 min
